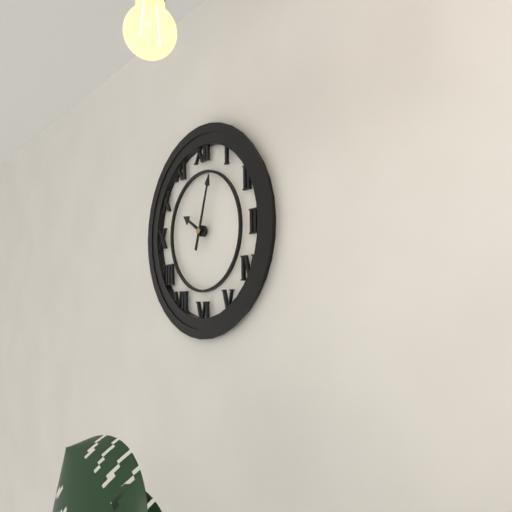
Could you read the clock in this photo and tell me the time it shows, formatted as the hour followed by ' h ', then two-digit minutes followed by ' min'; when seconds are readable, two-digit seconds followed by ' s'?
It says 10 h 03 min
